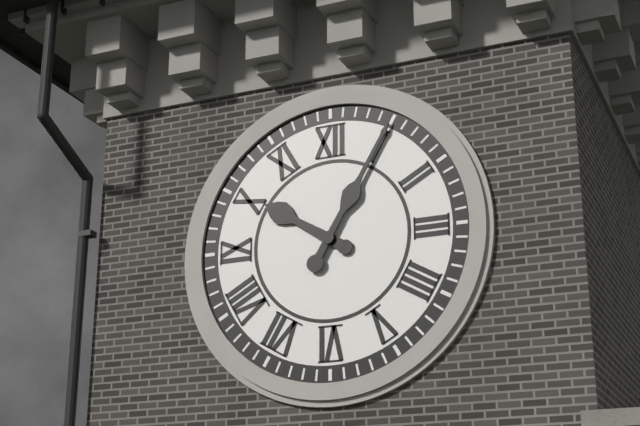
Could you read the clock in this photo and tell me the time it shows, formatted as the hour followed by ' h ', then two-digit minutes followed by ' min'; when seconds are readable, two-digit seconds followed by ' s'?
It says 10 h 05 min
